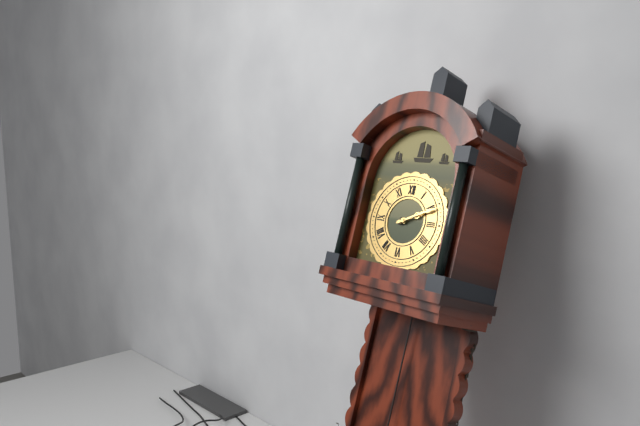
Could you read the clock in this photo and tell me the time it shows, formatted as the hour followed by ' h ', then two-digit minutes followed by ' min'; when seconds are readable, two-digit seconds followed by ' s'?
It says 2 h 11 min
